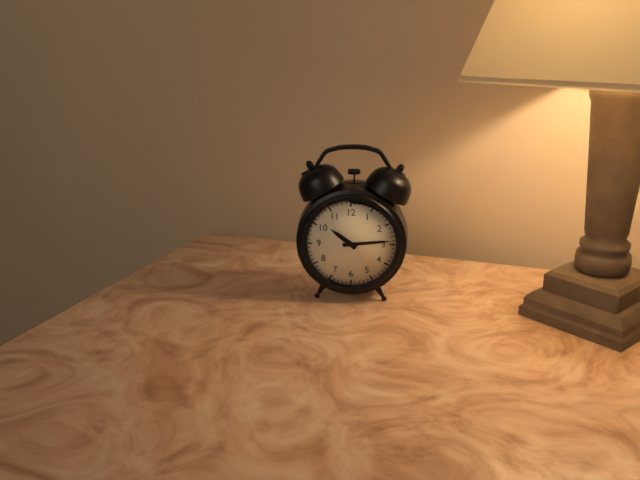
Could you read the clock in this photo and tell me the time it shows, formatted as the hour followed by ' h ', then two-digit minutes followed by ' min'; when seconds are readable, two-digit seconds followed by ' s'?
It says 10 h 14 min
